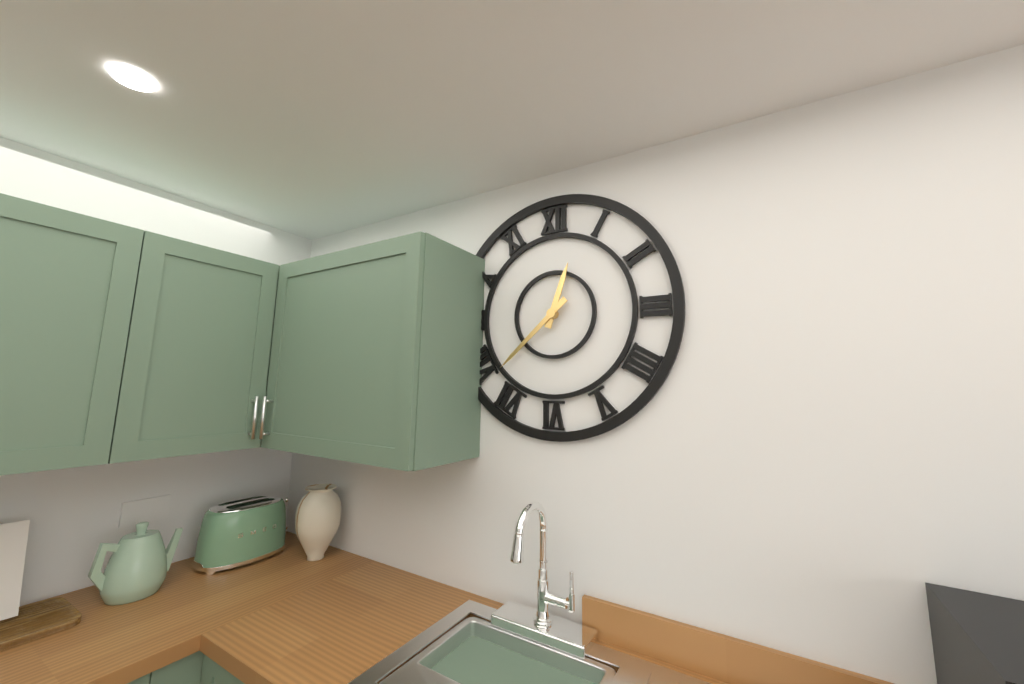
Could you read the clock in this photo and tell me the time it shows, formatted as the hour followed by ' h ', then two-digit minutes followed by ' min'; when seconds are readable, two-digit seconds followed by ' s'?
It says 12 h 38 min
